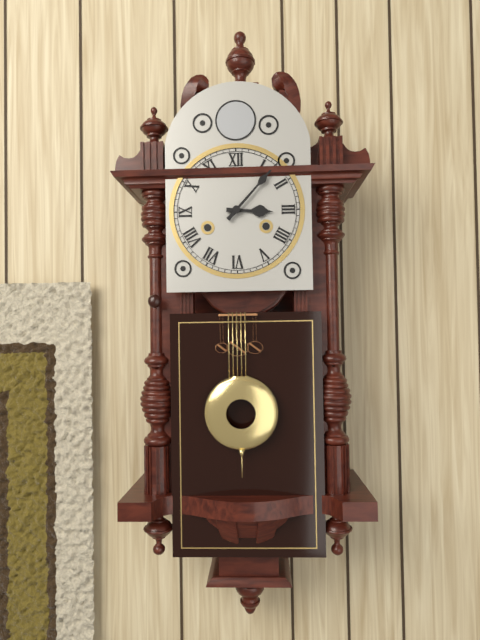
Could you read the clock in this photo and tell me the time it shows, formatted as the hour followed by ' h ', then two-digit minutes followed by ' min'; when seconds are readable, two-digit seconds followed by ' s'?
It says 3 h 07 min
